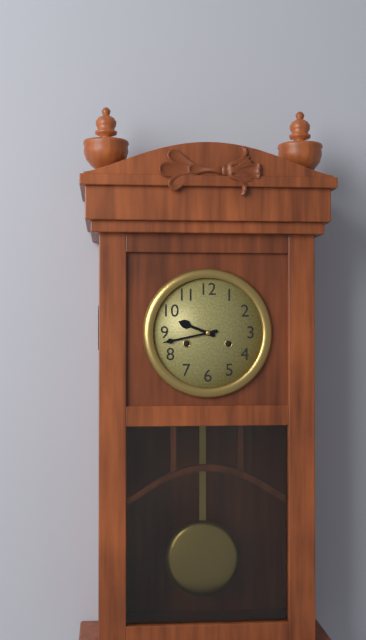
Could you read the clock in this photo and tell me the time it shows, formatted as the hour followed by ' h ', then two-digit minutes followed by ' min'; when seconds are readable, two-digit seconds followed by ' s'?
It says 9 h 43 min
